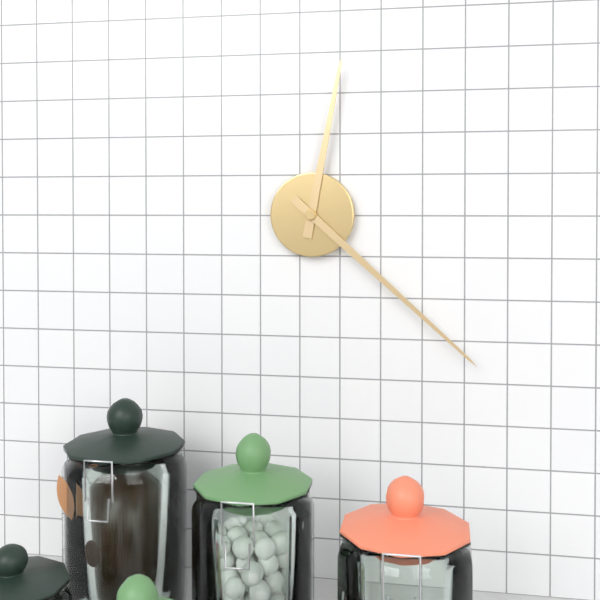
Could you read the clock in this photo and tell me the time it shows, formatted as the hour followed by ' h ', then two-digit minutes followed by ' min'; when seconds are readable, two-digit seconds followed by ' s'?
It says 12 h 22 min
